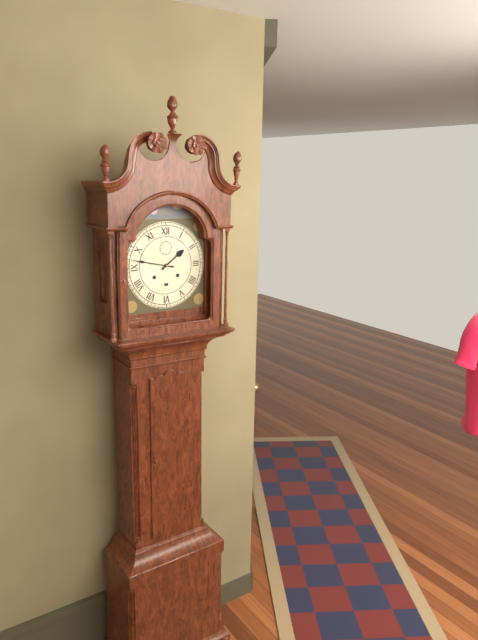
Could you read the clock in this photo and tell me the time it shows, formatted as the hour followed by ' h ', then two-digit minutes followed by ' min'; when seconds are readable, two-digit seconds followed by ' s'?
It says 1 h 47 min
